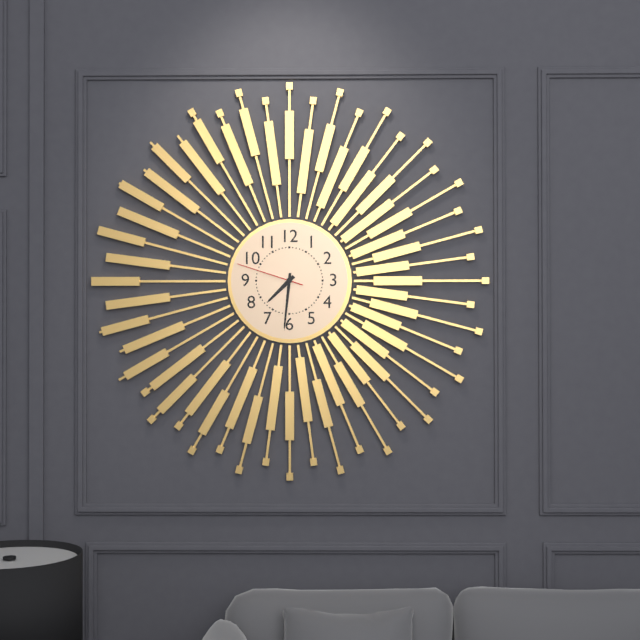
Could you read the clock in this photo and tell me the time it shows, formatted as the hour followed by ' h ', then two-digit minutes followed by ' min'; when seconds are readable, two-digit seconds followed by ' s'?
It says 7 h 31 min 48 s
